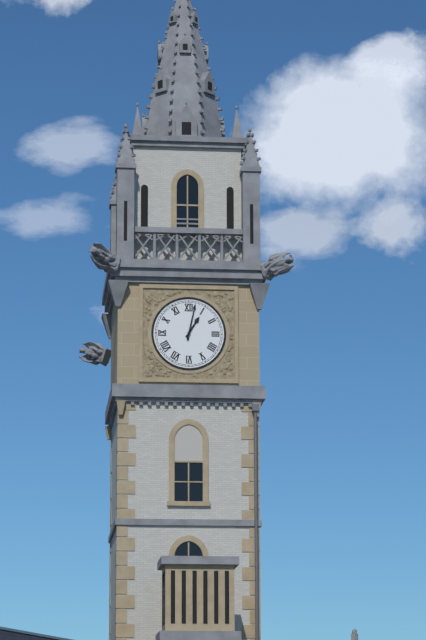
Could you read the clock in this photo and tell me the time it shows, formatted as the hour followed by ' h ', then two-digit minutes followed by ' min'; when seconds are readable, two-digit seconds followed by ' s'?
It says 1 h 02 min
